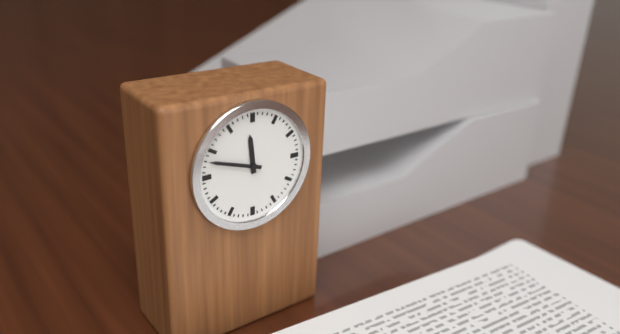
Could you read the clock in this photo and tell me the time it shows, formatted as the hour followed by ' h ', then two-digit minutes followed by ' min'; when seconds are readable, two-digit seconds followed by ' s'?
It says 11 h 48 min
